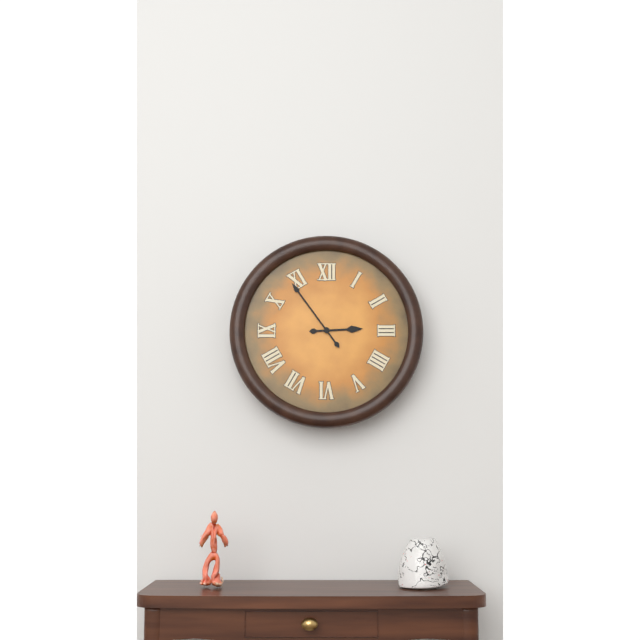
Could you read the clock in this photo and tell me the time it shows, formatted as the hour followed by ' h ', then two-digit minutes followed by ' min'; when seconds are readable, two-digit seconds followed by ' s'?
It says 2 h 54 min
